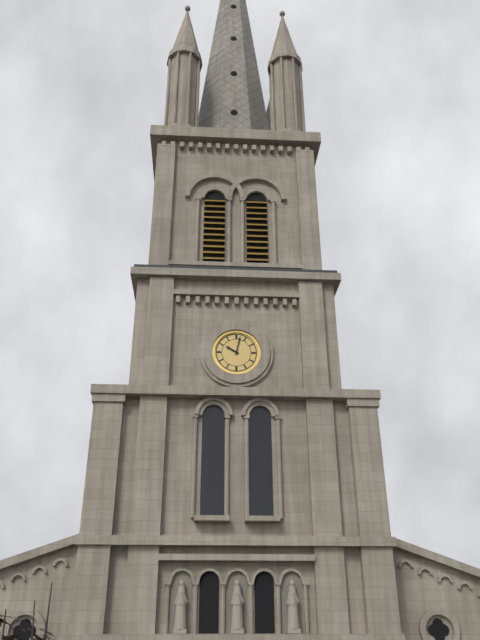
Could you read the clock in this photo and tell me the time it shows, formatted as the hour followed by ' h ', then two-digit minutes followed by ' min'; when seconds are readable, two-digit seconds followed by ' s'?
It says 10 h 02 min
